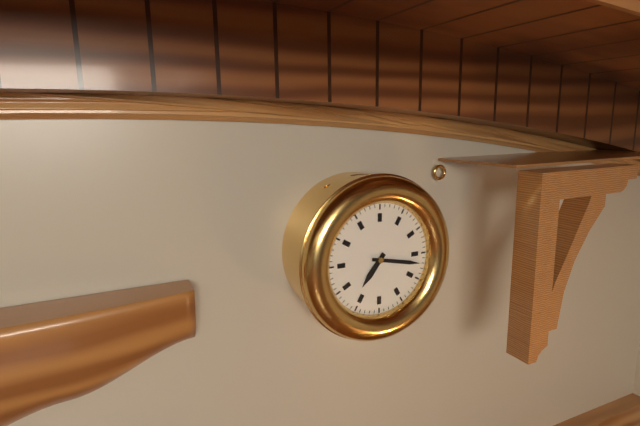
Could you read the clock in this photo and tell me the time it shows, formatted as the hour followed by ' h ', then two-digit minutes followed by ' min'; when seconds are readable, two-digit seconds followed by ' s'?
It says 7 h 17 min
